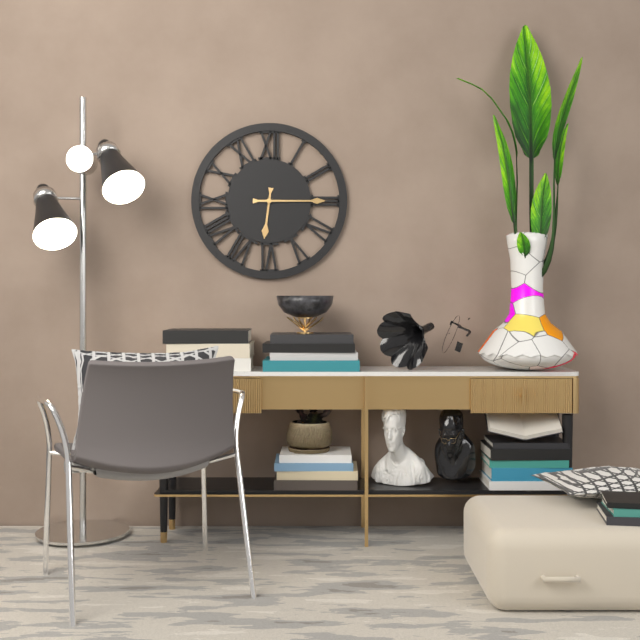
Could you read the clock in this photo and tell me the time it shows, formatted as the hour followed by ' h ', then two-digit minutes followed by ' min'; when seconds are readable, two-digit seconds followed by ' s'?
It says 6 h 15 min
